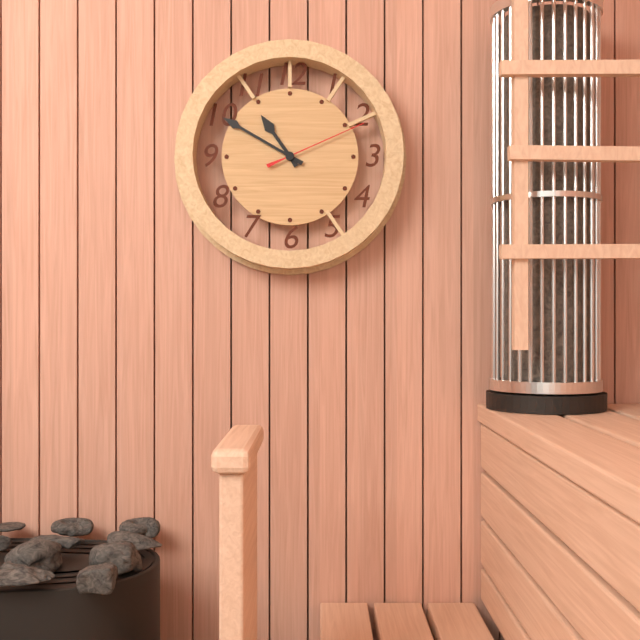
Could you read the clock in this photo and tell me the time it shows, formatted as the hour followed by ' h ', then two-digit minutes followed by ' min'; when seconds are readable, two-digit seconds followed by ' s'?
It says 10 h 50 min 11 s
